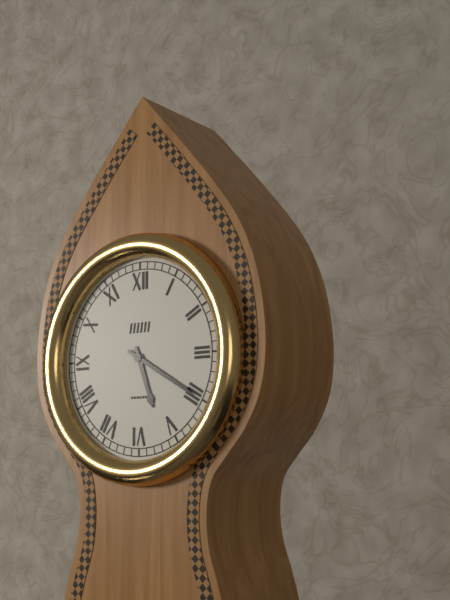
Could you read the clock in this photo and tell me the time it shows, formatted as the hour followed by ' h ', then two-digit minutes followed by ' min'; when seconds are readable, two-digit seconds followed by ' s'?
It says 5 h 20 min
